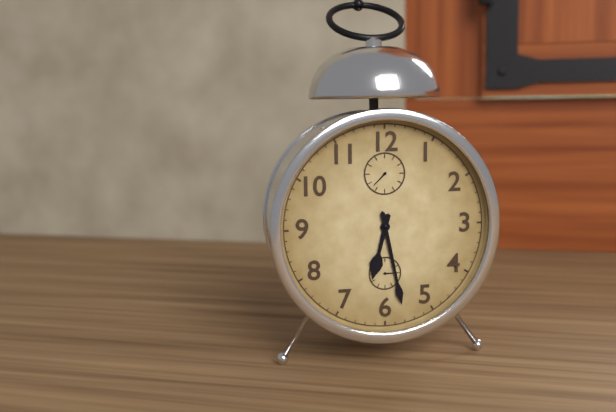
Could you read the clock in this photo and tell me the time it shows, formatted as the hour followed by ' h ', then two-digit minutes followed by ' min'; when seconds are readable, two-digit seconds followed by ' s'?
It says 6 h 28 min
